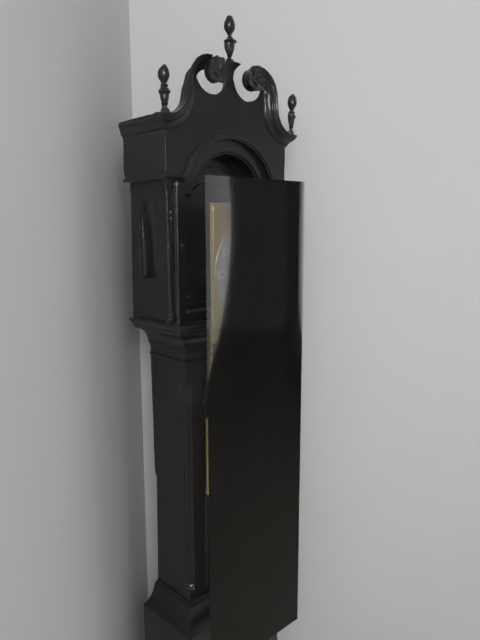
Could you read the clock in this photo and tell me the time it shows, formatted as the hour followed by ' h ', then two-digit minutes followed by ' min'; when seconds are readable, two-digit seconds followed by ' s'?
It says 4 h 21 min
